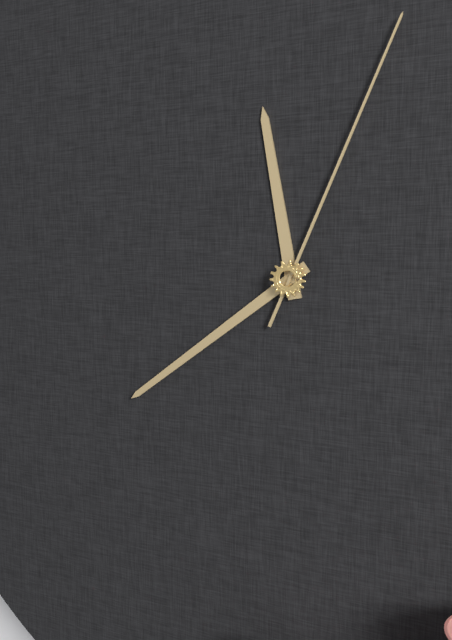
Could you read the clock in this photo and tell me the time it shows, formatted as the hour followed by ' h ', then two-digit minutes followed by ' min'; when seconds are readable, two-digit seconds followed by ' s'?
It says 11 h 39 min 04 s
